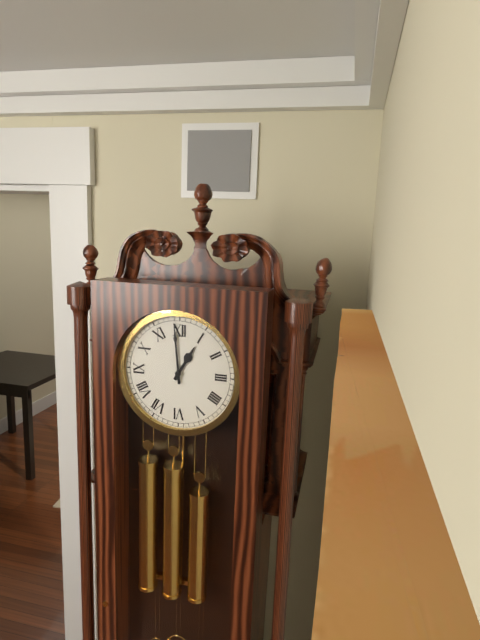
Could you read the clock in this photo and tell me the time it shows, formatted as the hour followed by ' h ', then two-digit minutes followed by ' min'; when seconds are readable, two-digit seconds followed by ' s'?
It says 12 h 59 min
